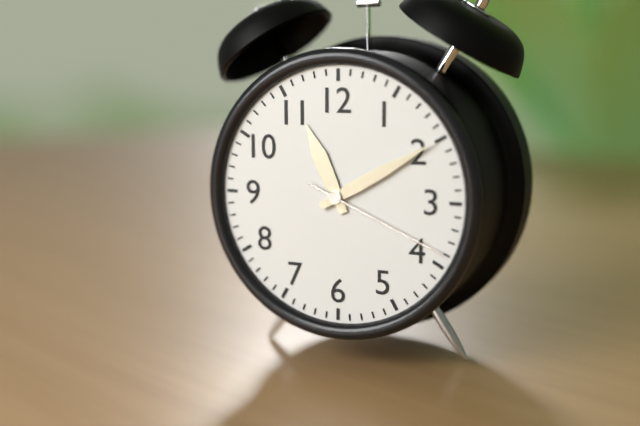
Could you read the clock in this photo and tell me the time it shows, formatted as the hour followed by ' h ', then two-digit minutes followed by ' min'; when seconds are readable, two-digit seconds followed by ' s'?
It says 11 h 10 min 19 s
